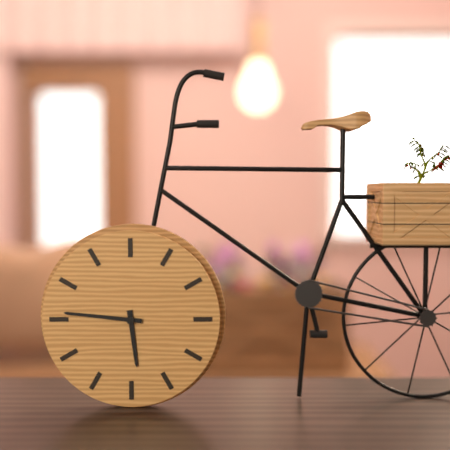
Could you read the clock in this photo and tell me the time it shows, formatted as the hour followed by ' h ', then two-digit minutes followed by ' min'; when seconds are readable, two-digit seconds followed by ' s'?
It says 5 h 46 min
